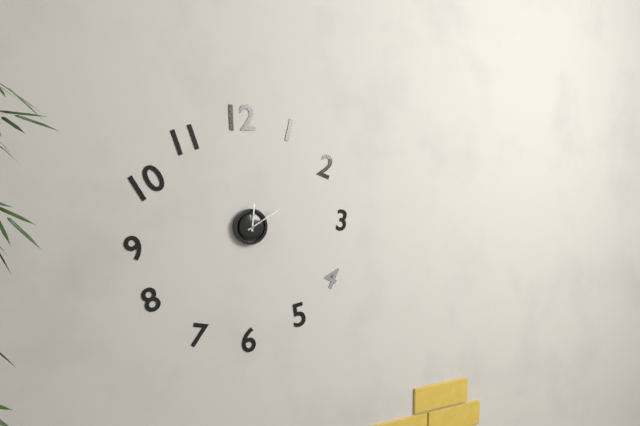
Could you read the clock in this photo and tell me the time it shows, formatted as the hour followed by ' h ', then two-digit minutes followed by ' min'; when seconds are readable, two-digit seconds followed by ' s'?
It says 12 h 10 min
